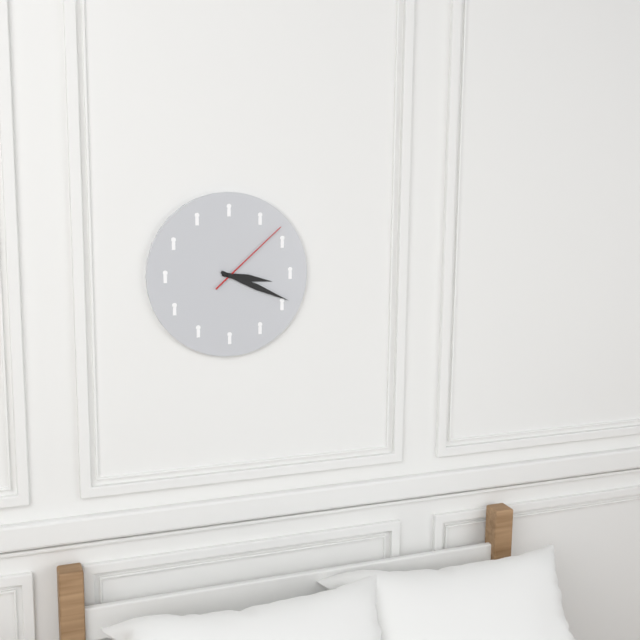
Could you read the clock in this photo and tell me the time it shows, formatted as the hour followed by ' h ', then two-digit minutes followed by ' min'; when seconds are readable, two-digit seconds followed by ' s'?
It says 3 h 19 min 08 s
